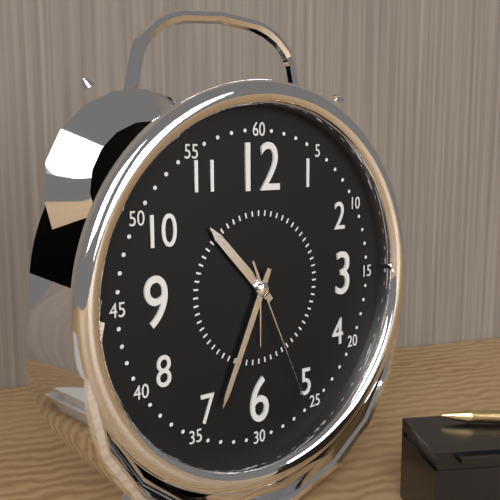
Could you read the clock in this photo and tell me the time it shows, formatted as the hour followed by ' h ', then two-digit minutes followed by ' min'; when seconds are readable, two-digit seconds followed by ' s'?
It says 10 h 34 min 26 s
